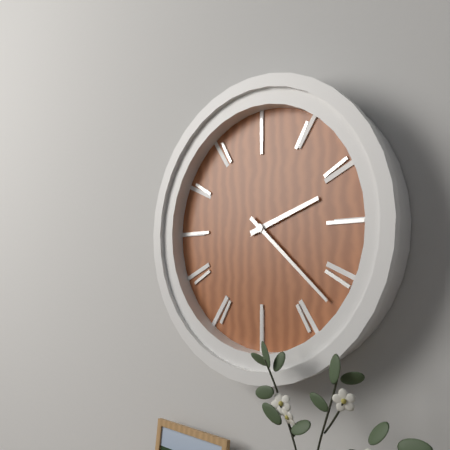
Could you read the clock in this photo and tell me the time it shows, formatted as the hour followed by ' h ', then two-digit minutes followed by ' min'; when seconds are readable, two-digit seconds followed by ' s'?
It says 2 h 22 min
